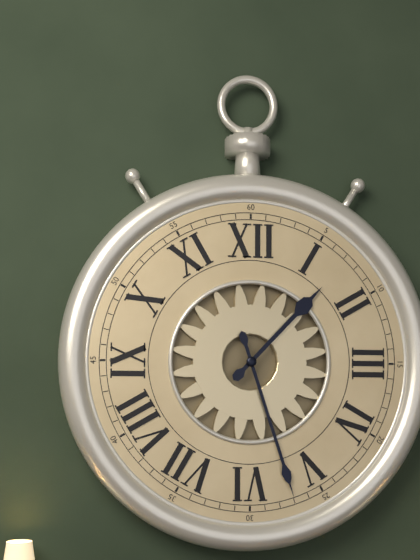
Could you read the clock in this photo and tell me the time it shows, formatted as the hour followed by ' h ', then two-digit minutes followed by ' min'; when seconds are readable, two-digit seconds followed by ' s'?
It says 1 h 27 min
